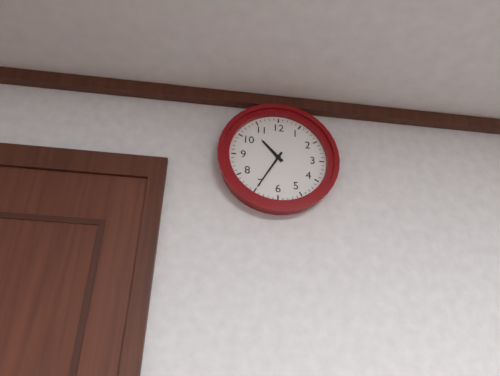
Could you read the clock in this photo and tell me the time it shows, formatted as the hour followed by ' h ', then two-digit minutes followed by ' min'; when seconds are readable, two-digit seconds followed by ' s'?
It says 10 h 35 min
